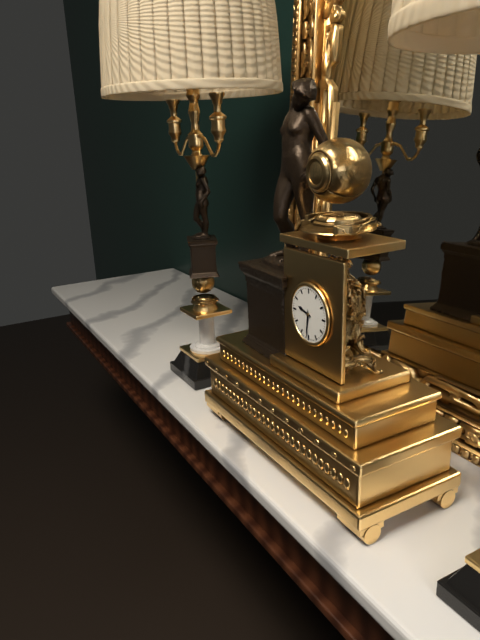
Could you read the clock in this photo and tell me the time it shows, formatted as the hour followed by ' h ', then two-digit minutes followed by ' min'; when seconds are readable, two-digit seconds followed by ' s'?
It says 9 h 31 min
